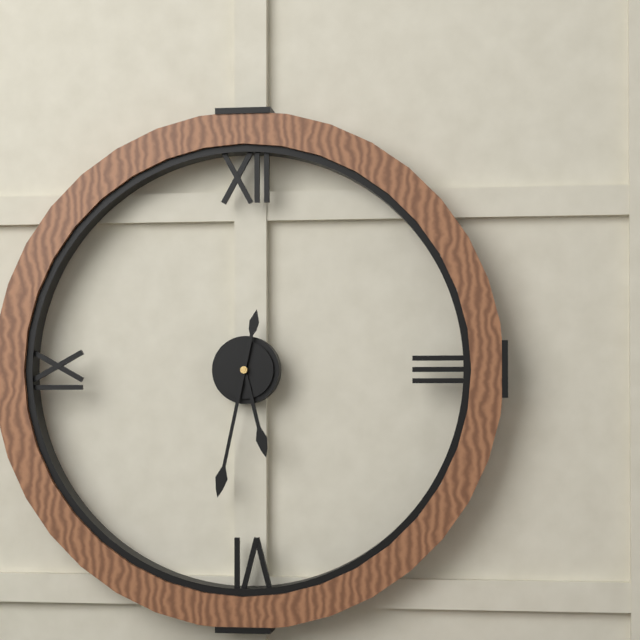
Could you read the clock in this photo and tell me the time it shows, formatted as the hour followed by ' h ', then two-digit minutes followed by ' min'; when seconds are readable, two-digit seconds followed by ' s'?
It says 5 h 32 min
